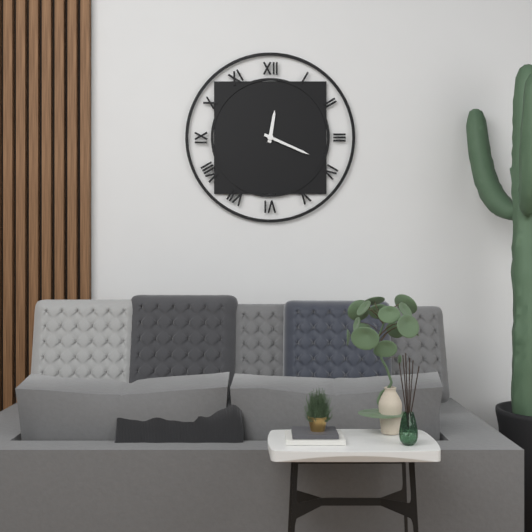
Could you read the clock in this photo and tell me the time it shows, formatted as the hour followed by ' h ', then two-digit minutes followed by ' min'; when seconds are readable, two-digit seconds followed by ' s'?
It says 12 h 19 min
